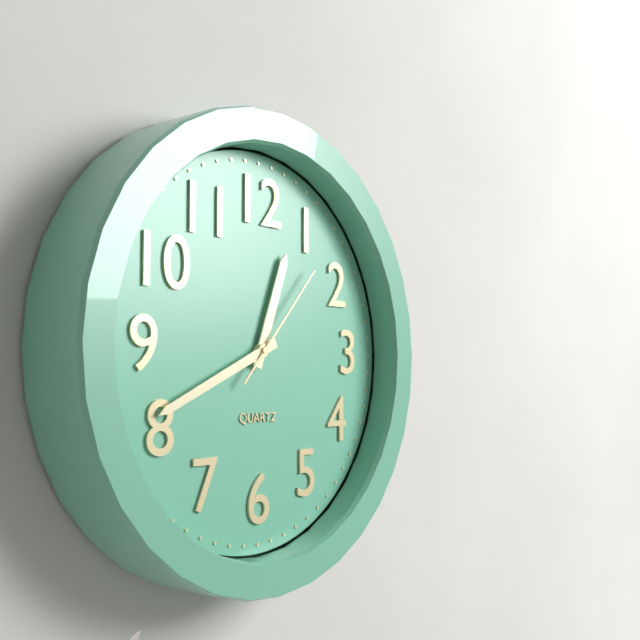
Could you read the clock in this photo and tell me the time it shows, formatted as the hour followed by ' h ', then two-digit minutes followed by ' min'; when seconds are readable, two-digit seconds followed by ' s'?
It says 12 h 41 min 07 s
